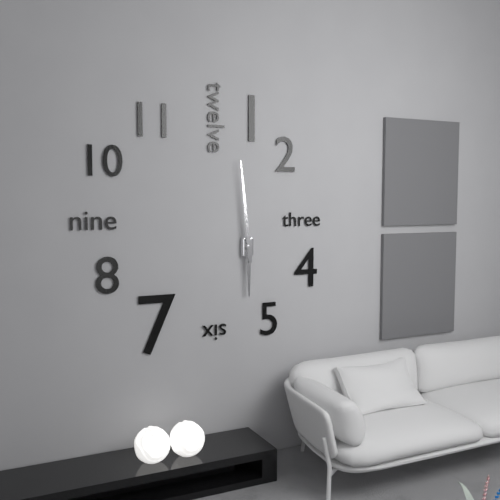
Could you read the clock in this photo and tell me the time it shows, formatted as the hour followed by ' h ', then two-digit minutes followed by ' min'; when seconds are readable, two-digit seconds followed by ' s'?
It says 5 h 59 min
